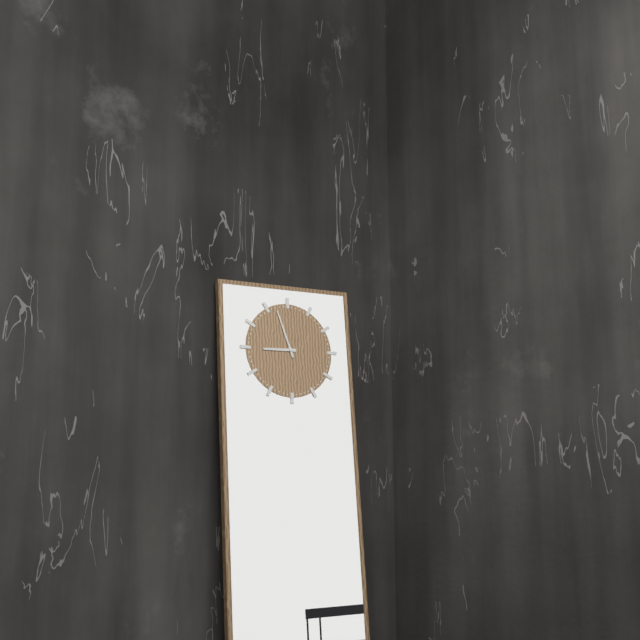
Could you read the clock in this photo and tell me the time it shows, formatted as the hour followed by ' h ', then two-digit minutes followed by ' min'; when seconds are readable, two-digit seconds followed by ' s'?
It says 8 h 57 min
